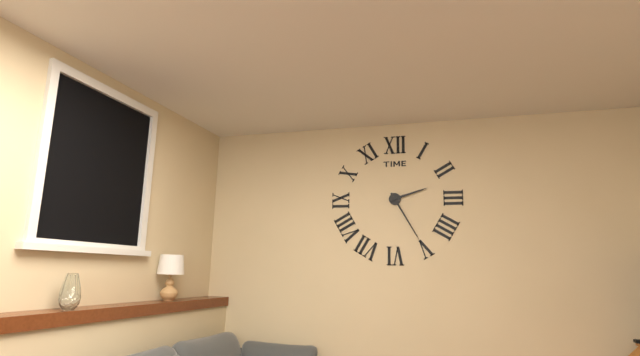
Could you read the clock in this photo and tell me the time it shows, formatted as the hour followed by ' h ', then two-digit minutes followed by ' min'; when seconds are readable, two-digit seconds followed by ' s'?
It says 2 h 25 min
